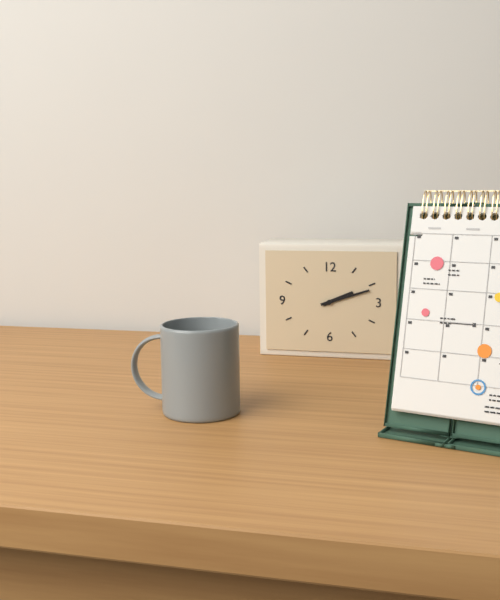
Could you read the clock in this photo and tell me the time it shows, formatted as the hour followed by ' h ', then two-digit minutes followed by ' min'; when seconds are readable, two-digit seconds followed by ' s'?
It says 2 h 12 min
